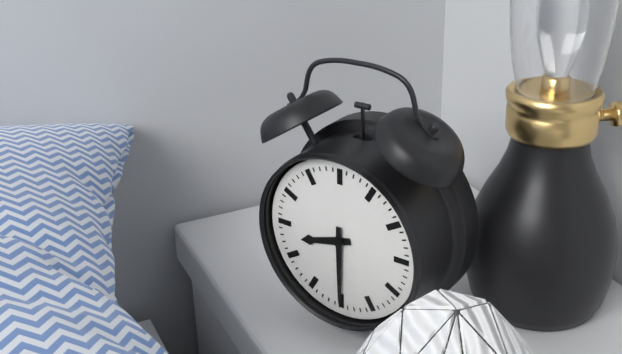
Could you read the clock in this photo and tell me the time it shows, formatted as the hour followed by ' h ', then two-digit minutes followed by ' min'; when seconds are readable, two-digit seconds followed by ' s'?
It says 8 h 30 min
